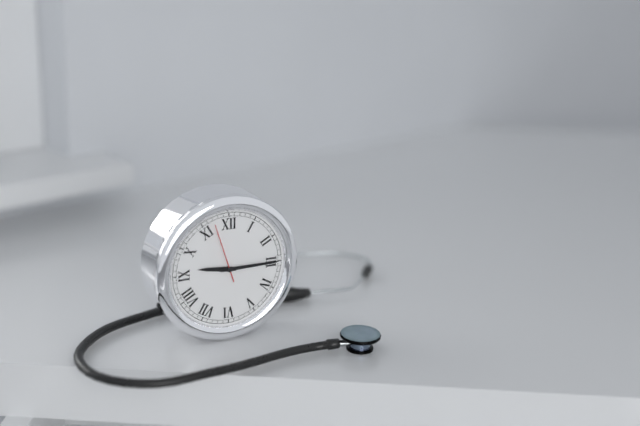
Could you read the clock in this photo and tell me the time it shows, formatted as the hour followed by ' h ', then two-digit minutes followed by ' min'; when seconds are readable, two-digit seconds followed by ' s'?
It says 9 h 15 min 57 s
